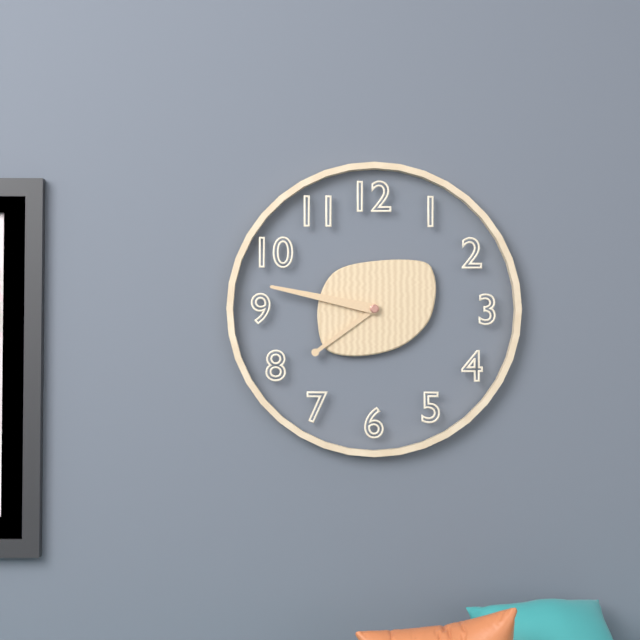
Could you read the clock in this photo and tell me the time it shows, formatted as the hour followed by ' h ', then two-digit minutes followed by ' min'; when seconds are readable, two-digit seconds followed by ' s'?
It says 7 h 47 min
